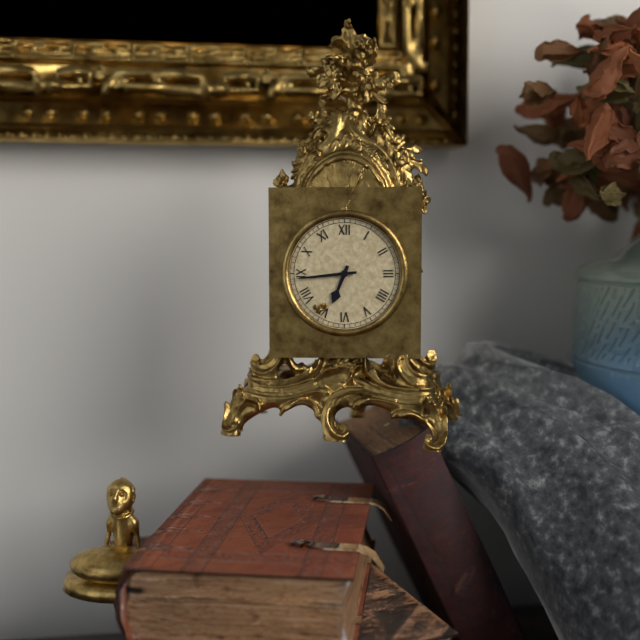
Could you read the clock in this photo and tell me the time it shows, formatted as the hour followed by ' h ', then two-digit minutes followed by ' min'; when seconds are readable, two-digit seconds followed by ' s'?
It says 6 h 44 min
